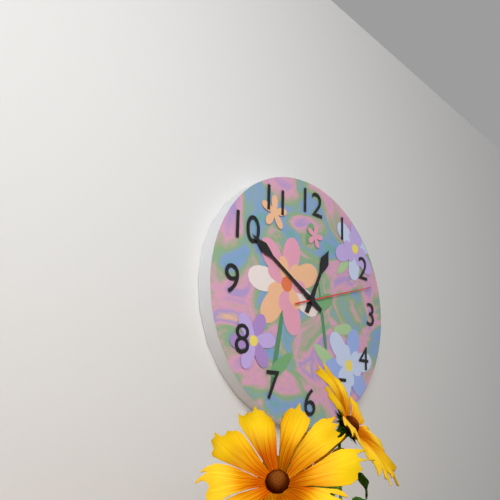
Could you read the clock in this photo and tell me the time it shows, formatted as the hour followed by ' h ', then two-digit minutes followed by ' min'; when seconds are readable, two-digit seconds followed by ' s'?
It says 12 h 50 min 12 s
